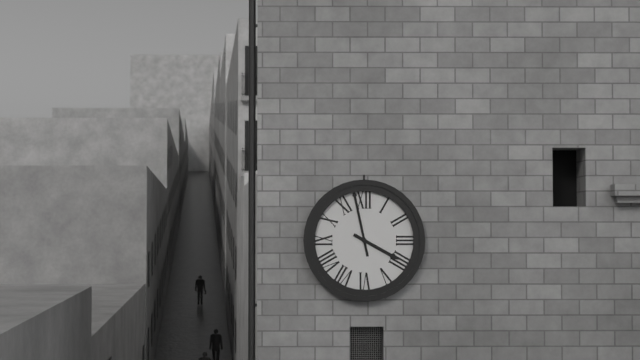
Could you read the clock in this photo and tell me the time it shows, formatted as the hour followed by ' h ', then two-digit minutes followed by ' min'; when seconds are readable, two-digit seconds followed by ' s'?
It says 3 h 58 min
